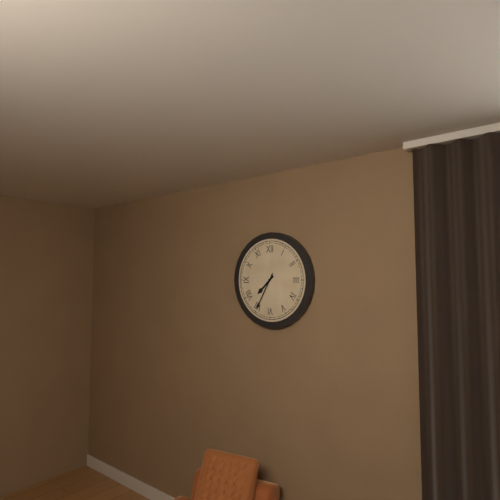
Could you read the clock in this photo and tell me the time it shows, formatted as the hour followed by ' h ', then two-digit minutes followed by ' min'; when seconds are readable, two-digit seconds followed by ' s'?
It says 7 h 35 min
